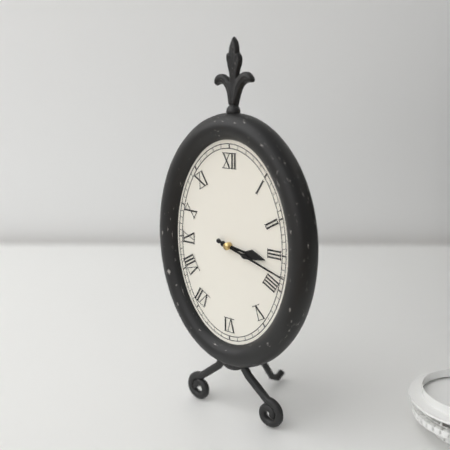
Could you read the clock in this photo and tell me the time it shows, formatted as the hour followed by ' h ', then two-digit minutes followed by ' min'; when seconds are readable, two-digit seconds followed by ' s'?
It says 3 h 18 min
